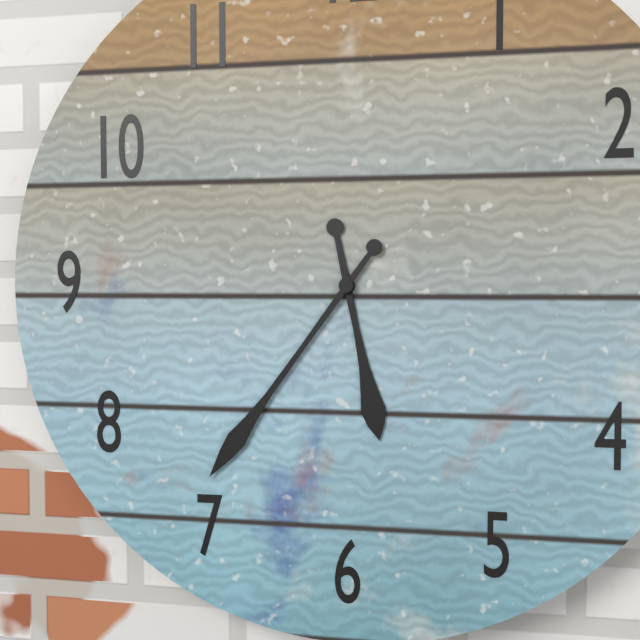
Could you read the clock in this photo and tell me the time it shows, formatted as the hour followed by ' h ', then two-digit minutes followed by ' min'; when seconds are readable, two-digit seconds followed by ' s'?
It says 5 h 36 min
